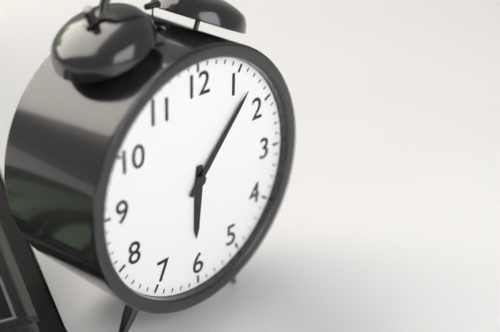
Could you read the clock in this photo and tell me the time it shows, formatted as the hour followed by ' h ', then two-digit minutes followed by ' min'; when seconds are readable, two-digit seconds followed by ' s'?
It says 6 h 07 min
